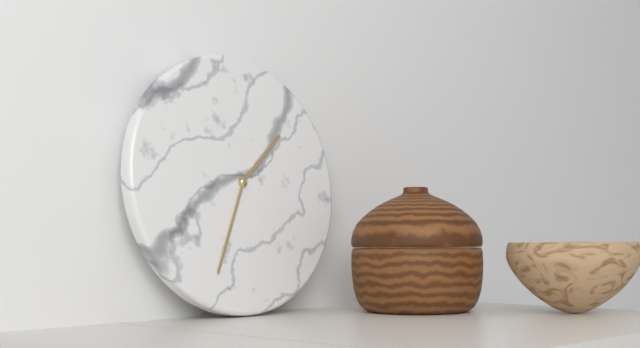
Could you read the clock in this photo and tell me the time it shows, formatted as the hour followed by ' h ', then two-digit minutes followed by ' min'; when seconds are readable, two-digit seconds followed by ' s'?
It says 1 h 34 min
